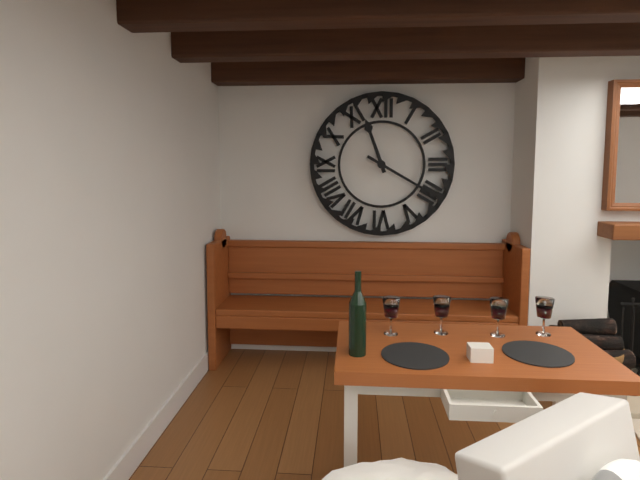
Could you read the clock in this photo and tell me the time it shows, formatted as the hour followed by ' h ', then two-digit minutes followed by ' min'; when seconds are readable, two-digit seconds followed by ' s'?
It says 11 h 20 min
